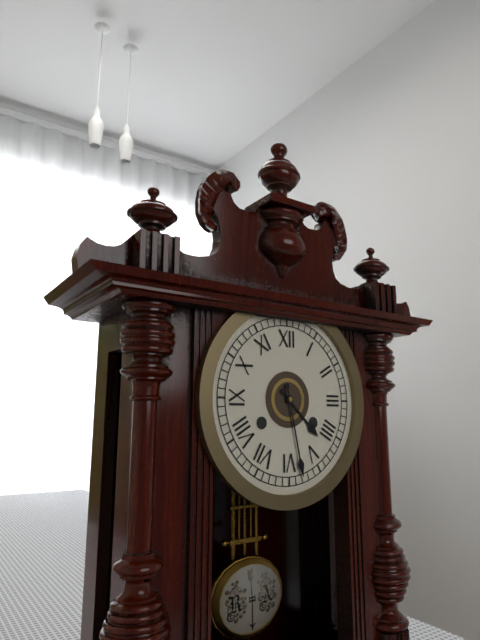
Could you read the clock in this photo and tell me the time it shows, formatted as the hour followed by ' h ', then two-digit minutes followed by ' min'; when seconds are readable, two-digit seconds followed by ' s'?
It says 4 h 28 min
